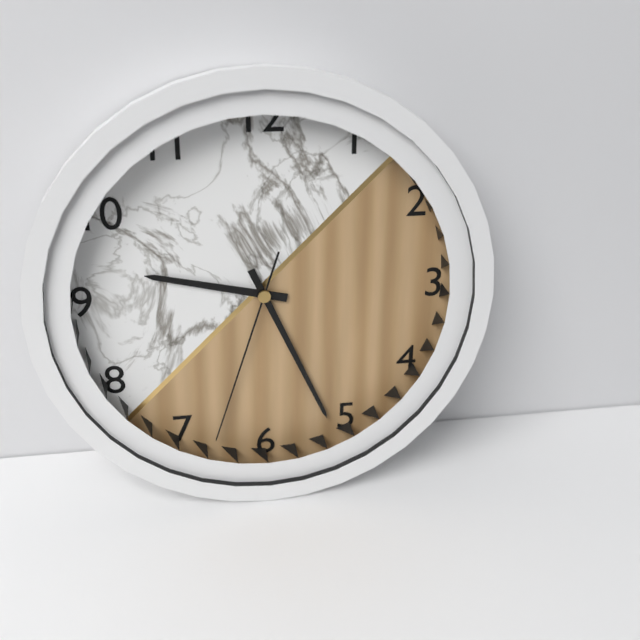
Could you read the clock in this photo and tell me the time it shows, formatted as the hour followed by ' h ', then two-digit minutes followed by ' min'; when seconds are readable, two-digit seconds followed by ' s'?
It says 9 h 26 min 33 s
